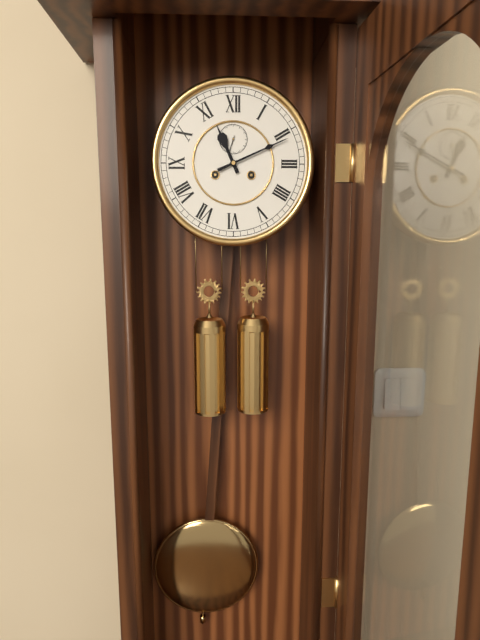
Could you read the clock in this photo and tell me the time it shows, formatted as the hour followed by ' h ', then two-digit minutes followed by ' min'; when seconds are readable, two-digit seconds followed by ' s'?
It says 11 h 11 min
